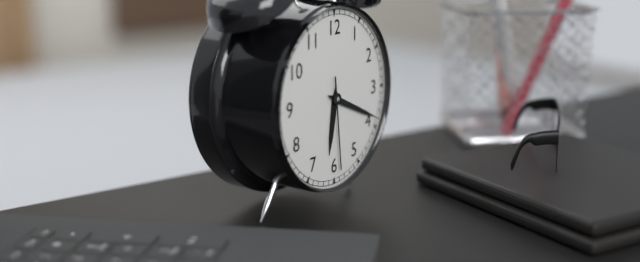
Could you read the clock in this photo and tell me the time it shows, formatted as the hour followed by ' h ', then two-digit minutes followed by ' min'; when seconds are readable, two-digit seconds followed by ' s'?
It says 6 h 19 min 29 s
